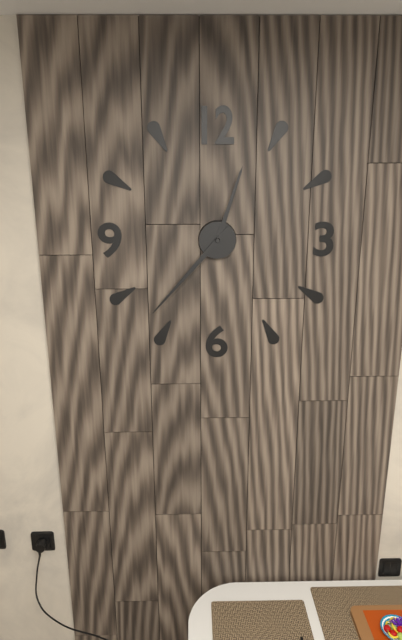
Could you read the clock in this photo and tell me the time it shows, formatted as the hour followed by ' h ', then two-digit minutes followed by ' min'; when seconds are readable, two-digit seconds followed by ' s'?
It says 12 h 37 min
